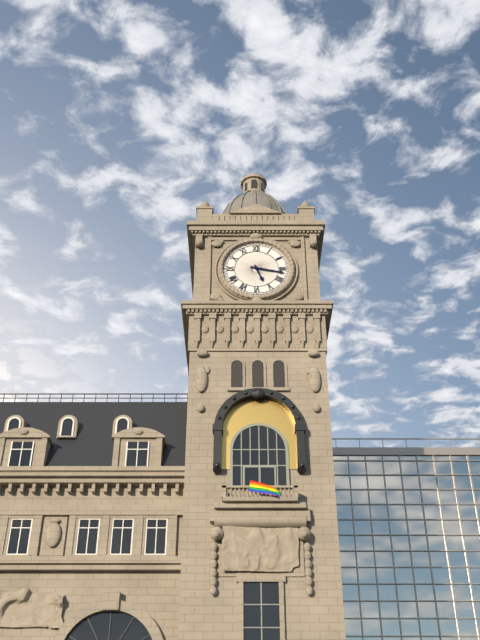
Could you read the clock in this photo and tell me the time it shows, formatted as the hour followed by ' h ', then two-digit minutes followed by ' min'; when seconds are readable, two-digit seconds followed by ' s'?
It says 5 h 17 min
